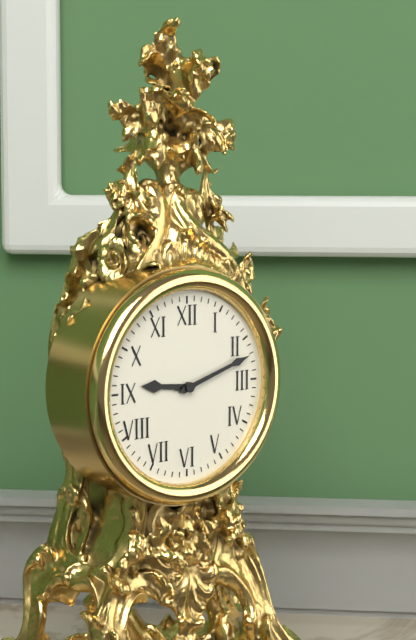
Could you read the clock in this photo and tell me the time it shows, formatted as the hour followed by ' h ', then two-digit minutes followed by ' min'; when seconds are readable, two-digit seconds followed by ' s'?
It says 9 h 12 min
